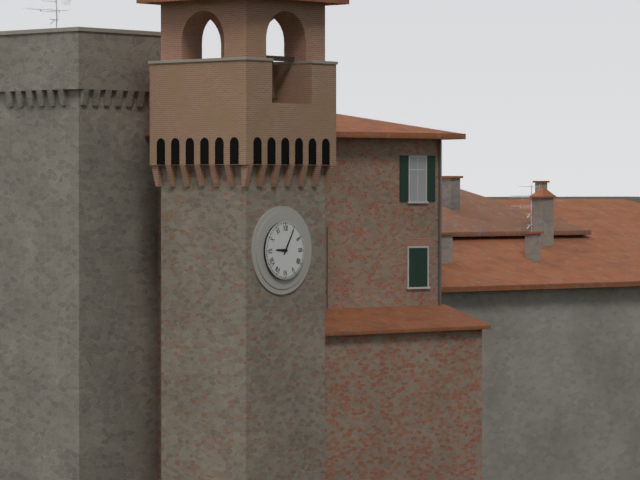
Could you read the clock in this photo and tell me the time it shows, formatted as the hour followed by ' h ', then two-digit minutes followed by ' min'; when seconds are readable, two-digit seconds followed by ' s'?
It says 9 h 05 min
